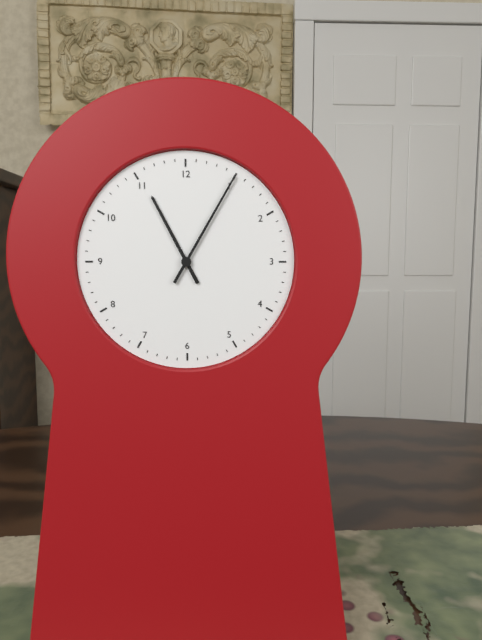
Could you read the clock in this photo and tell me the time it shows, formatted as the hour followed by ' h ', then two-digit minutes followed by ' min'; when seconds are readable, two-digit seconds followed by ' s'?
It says 11 h 05 min
